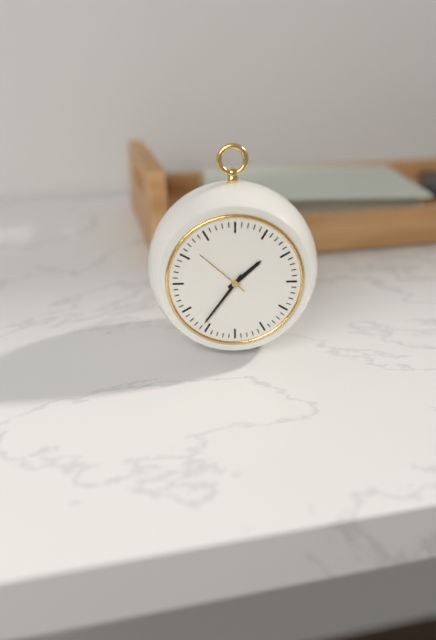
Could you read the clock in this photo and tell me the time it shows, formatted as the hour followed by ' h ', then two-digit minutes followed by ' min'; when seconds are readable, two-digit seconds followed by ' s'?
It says 1 h 36 min 52 s
